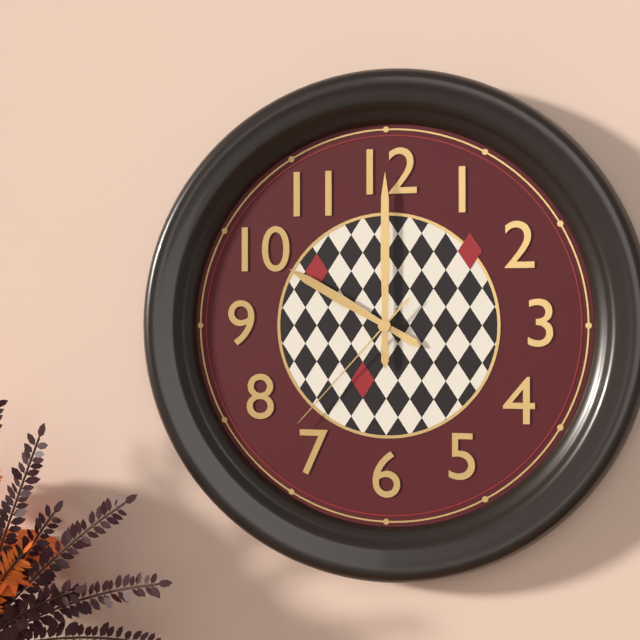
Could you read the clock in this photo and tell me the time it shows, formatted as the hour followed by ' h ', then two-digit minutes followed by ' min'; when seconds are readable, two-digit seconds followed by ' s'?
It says 10 h 00 min 37 s
